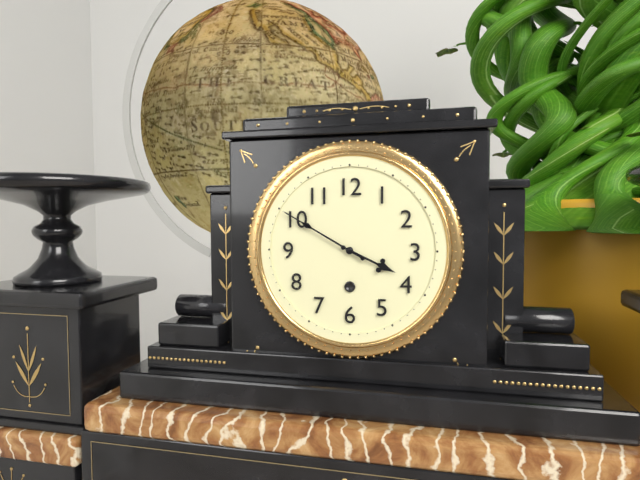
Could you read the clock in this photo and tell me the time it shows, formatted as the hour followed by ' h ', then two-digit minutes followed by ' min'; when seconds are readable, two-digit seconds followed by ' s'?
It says 3 h 50 min
